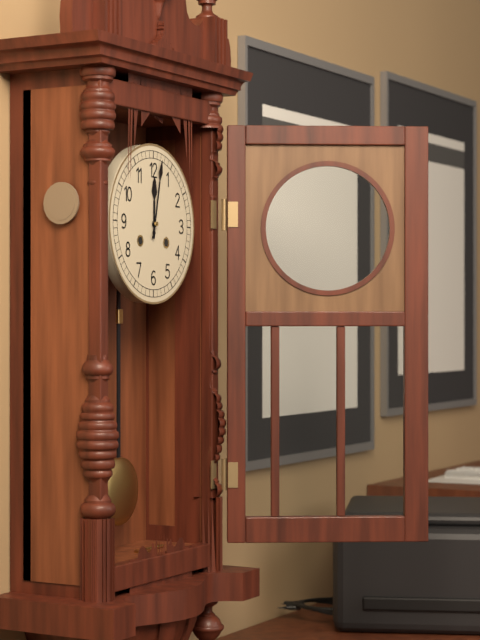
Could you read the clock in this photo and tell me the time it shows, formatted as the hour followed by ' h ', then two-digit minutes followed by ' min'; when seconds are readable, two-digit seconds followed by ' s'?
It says 12 h 02 min
